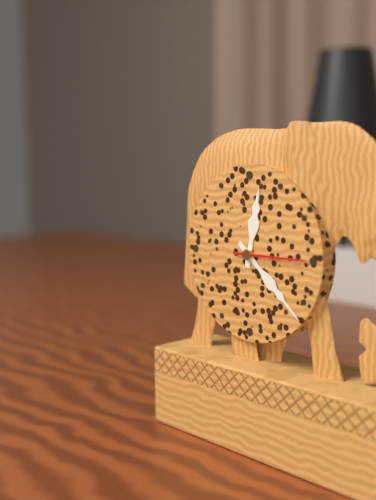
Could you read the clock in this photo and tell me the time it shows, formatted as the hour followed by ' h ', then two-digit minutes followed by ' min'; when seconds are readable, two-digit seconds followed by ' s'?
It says 12 h 22 min 15 s
